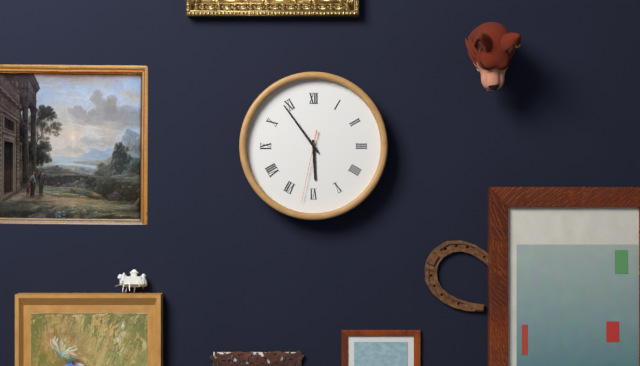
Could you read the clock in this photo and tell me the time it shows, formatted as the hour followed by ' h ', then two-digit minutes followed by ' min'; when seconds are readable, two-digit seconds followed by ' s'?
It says 5 h 54 min 32 s
